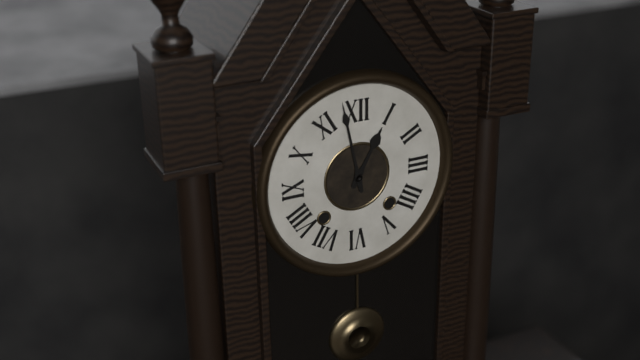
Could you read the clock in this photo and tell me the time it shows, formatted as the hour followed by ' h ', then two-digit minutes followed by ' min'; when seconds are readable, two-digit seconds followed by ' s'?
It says 12 h 58 min
